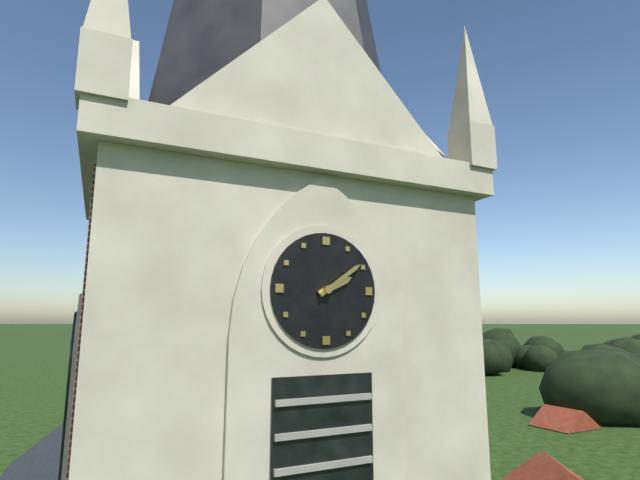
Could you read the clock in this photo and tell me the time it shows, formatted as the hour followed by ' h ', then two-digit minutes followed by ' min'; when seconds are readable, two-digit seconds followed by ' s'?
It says 2 h 09 min
